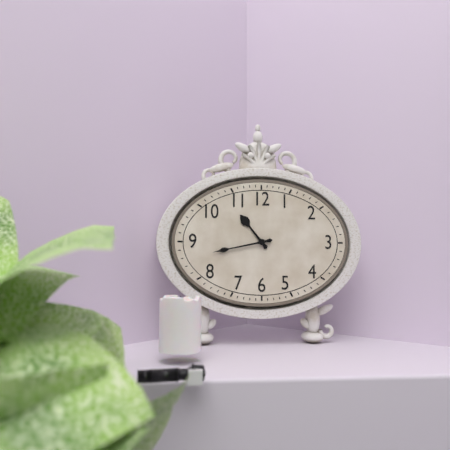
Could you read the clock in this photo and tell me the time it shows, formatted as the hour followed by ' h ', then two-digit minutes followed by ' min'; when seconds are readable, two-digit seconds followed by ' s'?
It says 10 h 43 min
